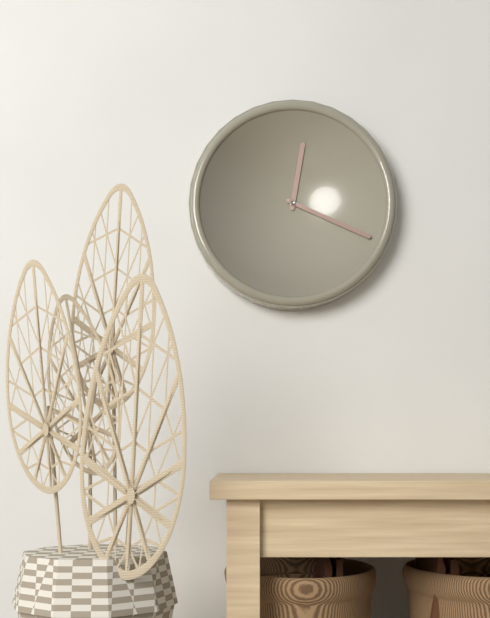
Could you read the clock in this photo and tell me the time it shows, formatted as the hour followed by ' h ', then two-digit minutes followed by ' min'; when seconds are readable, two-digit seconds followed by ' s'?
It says 12 h 19 min
